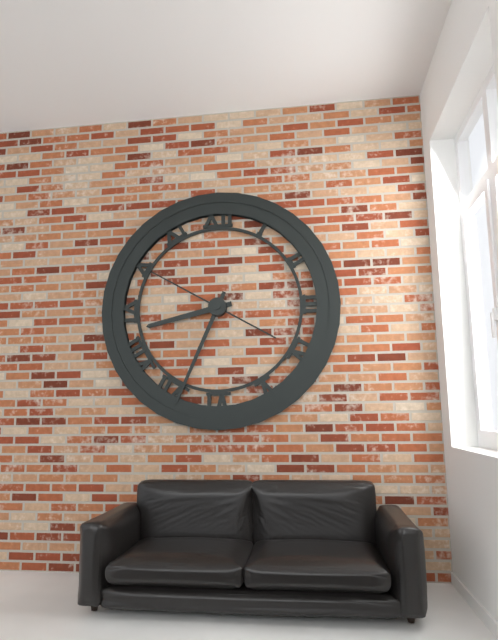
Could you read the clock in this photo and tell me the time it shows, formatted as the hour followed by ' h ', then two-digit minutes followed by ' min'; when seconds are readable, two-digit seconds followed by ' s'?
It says 8 h 34 min 50 s
